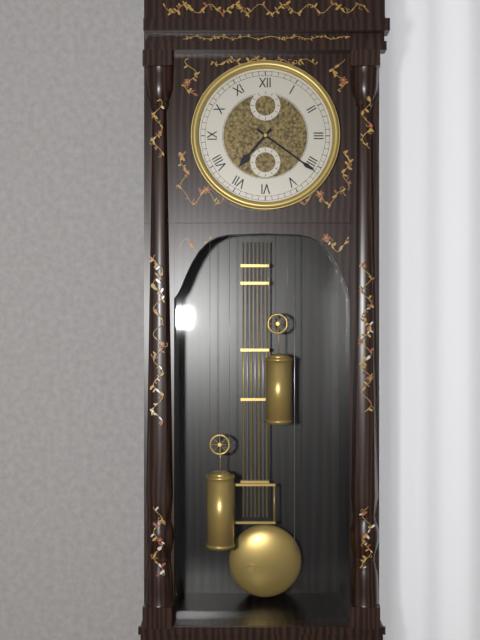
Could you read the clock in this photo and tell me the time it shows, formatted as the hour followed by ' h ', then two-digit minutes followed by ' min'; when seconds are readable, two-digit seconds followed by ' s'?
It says 7 h 21 min
